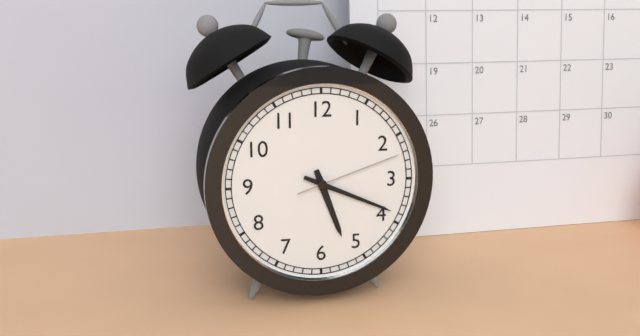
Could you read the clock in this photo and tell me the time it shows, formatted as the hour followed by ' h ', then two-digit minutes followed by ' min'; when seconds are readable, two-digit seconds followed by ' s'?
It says 5 h 19 min 12 s
